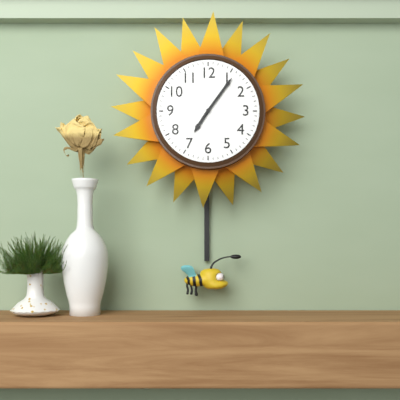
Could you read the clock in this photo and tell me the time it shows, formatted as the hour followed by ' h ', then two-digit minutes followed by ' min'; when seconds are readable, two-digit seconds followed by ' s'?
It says 7 h 06 min
